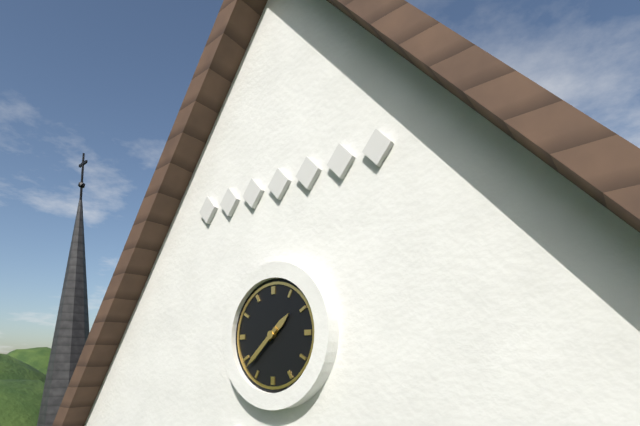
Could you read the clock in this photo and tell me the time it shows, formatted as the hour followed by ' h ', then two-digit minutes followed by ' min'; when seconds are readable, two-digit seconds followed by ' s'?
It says 1 h 38 min
